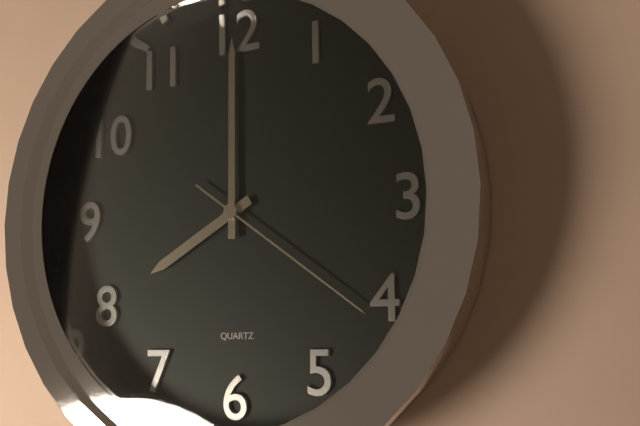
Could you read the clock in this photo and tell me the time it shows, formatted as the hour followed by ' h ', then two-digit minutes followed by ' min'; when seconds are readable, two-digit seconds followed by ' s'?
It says 8 h 00 min 21 s
